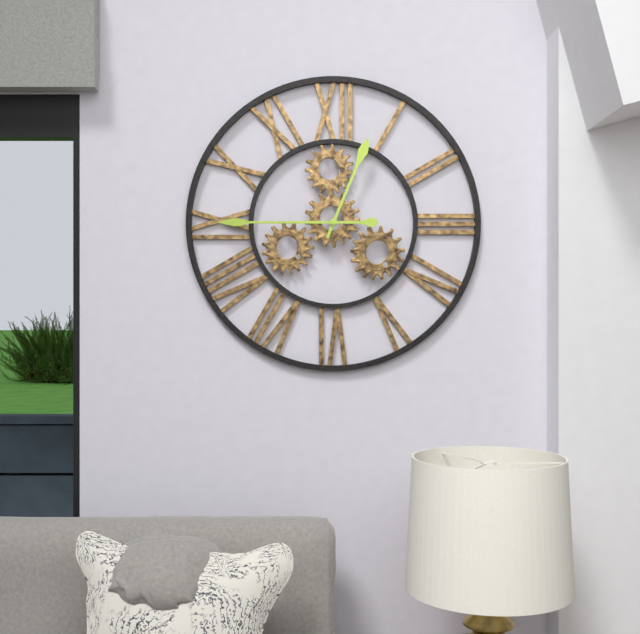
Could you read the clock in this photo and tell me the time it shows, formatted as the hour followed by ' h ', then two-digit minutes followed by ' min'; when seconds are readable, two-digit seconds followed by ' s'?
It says 12 h 45 min
